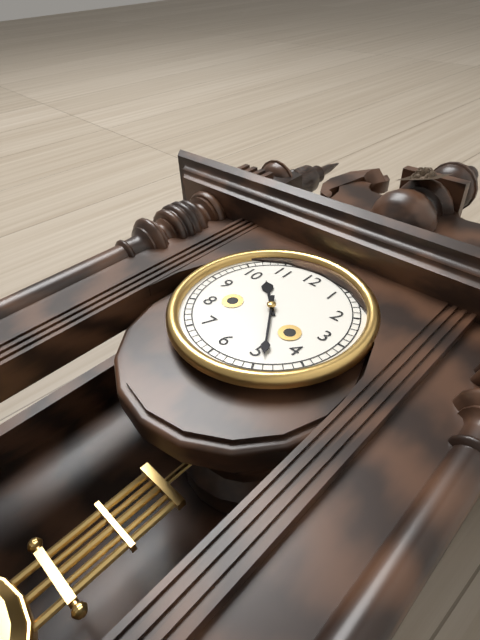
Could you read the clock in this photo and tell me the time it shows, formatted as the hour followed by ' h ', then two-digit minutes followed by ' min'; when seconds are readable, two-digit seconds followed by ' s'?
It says 10 h 24 min
